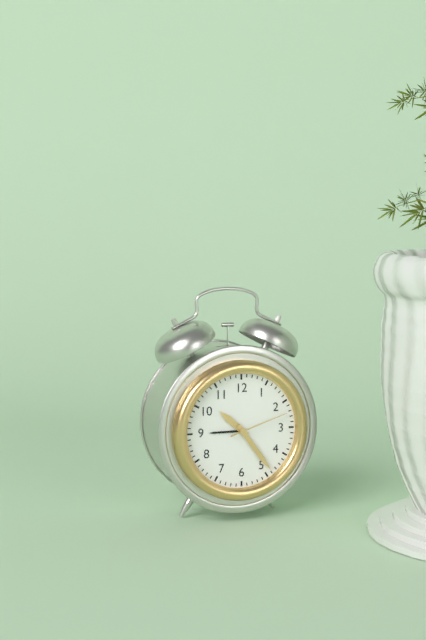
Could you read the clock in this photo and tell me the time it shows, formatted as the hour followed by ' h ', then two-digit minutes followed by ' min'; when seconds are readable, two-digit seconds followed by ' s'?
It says 10 h 24 min 12 s
